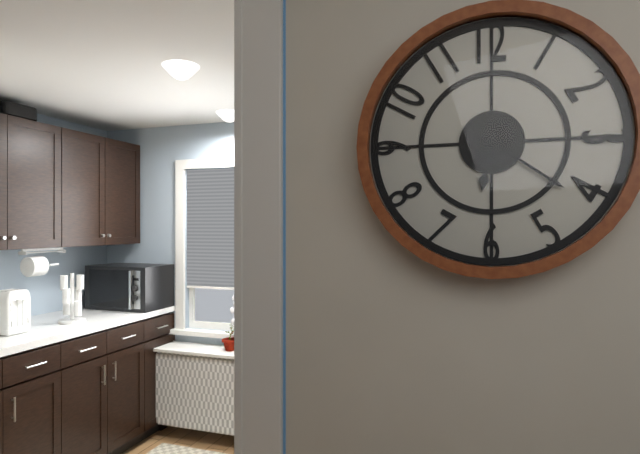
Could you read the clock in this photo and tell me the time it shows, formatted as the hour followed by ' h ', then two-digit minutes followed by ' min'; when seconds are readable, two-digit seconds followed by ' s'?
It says 6 h 21 min
